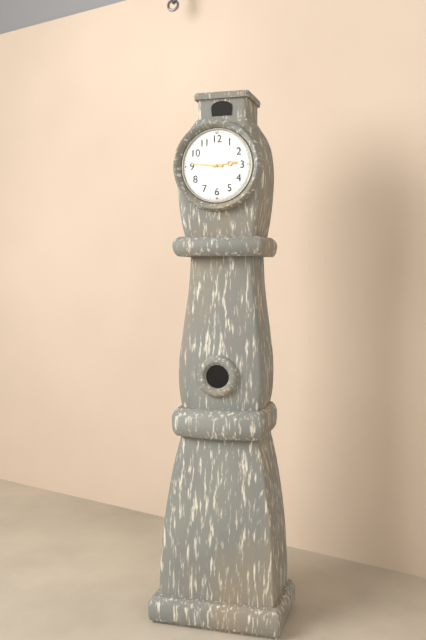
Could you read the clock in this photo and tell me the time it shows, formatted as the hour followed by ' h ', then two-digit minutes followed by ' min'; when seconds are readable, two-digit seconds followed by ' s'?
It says 2 h 46 min
